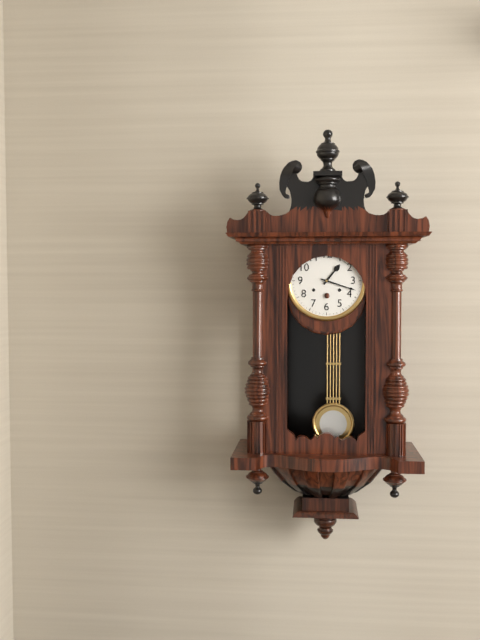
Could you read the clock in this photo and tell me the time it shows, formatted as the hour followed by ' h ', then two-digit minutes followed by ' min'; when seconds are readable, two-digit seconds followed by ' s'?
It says 1 h 18 min
